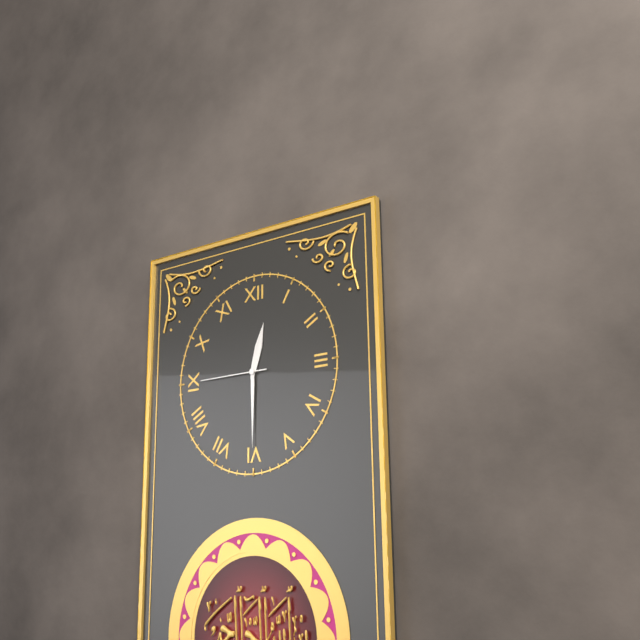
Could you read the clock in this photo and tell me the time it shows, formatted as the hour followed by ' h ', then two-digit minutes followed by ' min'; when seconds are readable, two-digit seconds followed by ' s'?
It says 12 h 30 min 45 s
